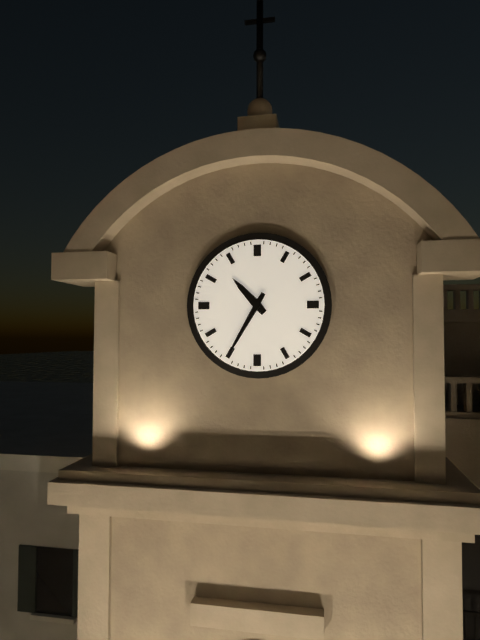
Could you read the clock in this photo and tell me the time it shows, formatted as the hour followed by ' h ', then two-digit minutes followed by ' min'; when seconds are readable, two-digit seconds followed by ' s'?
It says 10 h 35 min
